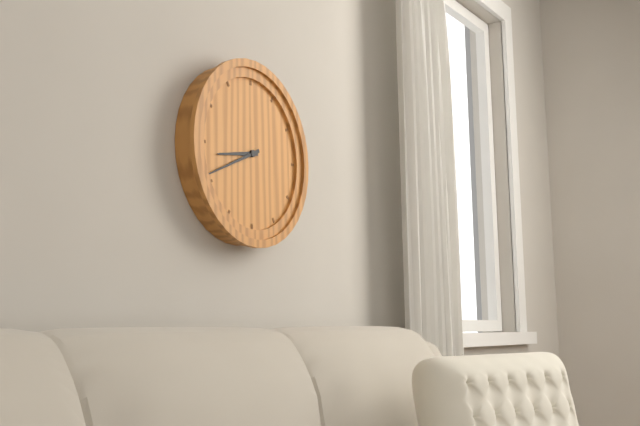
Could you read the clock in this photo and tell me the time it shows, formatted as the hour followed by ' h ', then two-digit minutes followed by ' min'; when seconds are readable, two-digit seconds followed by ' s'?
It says 8 h 41 min
